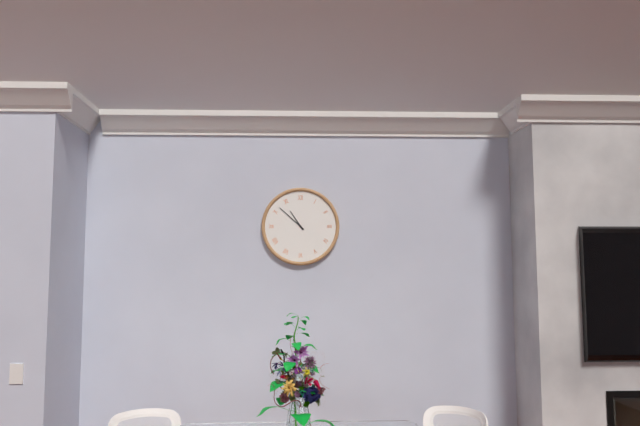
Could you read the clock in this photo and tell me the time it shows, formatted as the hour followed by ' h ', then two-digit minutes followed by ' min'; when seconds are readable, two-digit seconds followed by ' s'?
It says 10 h 52 min
